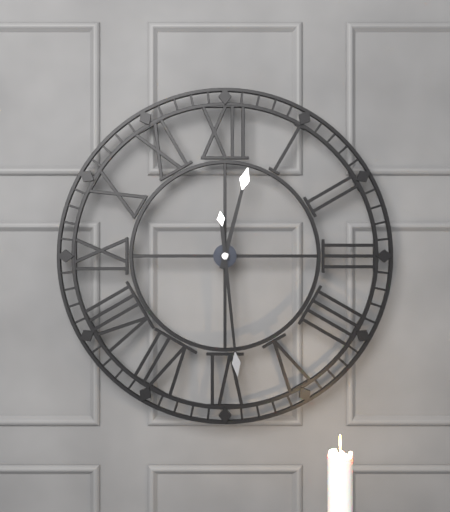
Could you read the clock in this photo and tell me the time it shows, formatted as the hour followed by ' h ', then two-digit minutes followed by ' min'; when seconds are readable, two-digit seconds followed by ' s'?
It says 12 h 29 min
